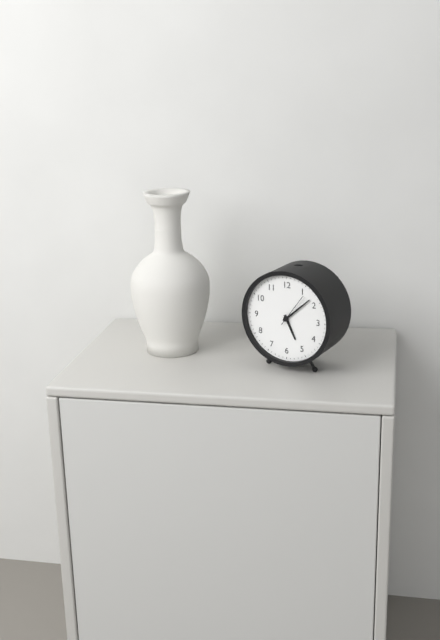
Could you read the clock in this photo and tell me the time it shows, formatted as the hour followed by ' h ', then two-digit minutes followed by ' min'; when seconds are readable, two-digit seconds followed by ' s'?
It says 5 h 08 min
